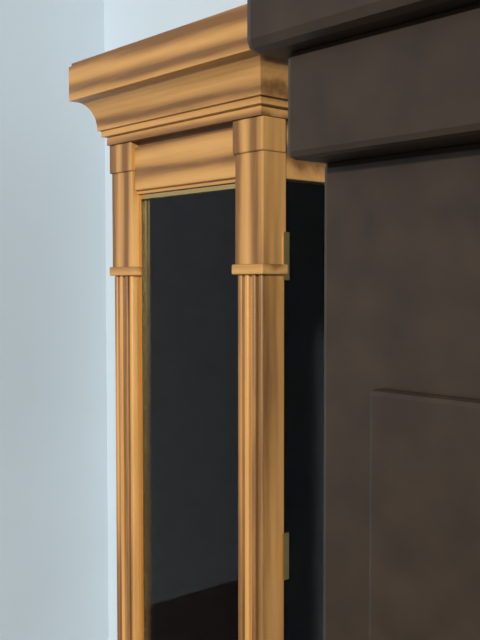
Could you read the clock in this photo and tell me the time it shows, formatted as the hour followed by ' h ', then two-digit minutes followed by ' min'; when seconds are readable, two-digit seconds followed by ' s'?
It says 8 h 05 min
